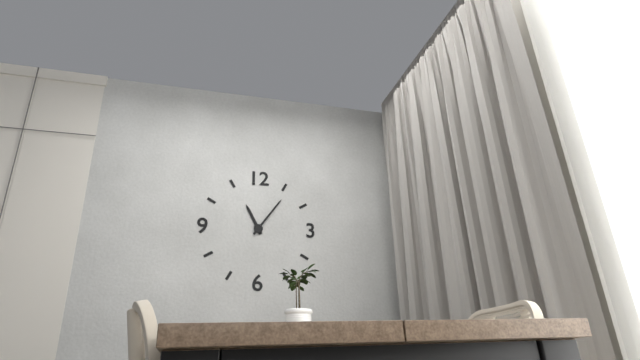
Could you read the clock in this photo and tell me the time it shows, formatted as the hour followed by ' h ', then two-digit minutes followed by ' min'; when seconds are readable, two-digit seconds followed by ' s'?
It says 11 h 06 min
